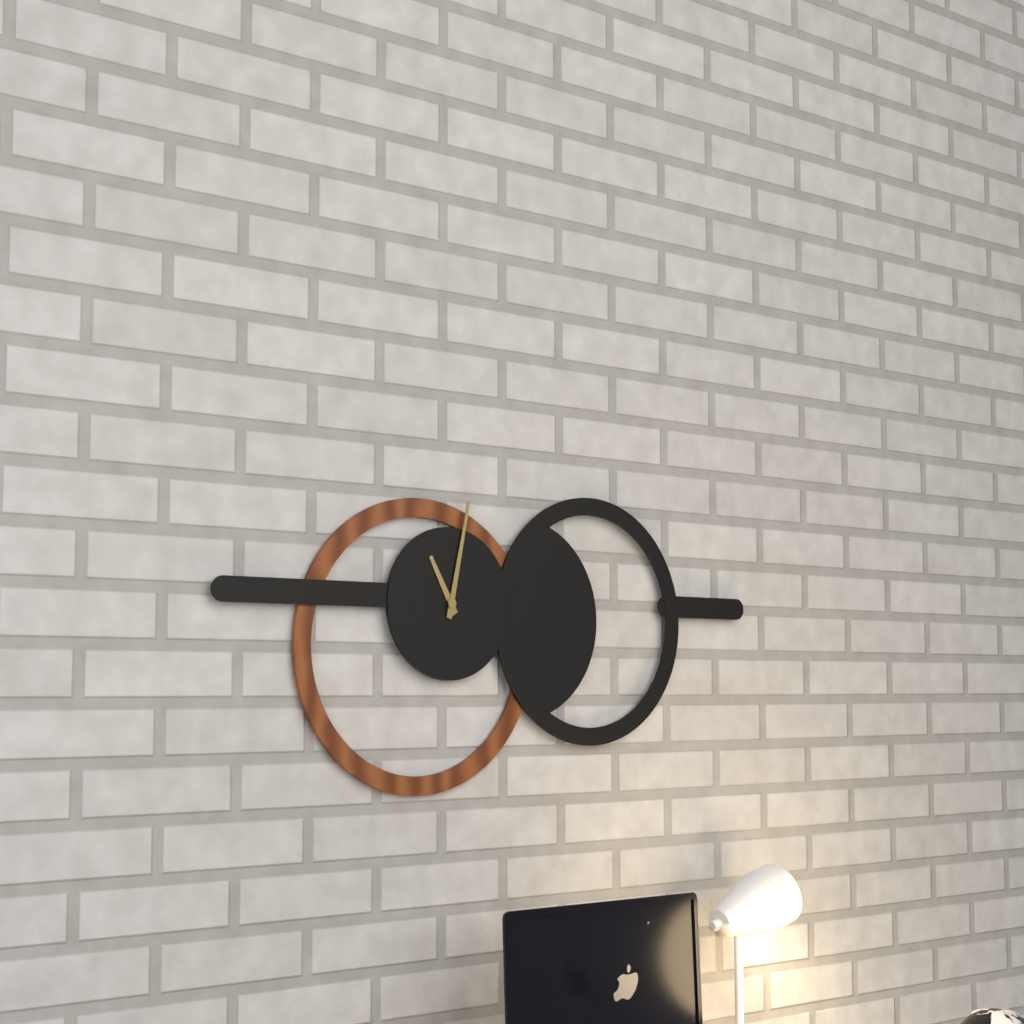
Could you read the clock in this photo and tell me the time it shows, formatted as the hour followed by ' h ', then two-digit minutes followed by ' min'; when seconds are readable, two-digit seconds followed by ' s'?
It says 11 h 02 min
